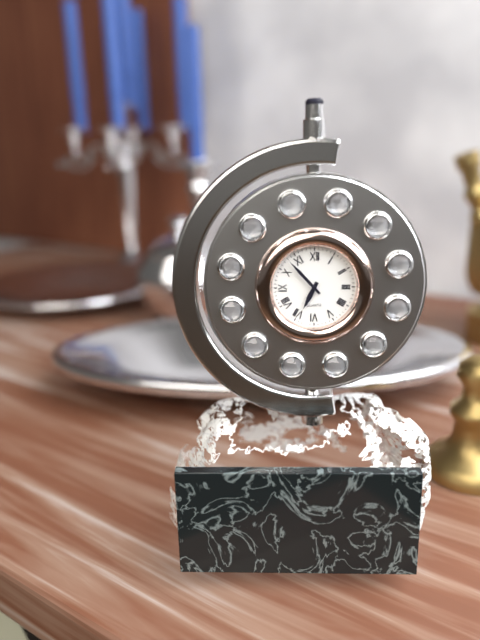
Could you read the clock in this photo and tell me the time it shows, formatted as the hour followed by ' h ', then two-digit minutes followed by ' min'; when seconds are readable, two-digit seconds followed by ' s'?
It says 6 h 53 min
